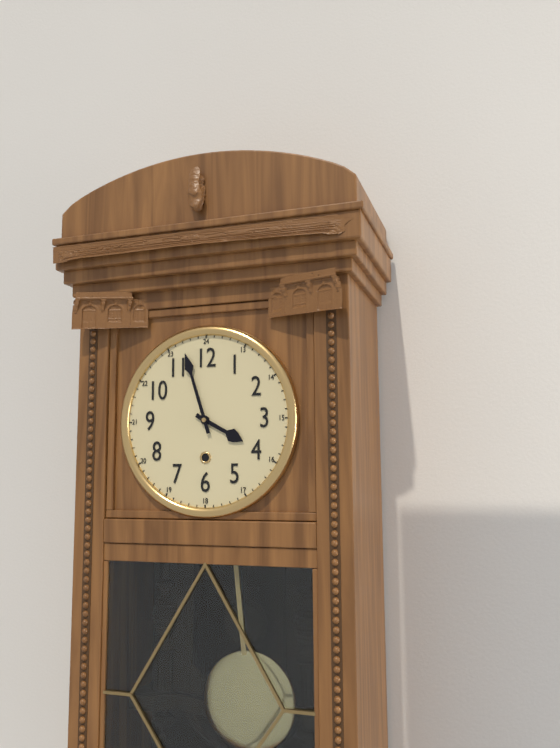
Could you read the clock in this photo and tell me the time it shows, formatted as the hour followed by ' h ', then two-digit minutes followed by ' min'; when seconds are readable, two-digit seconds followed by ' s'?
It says 3 h 57 min
